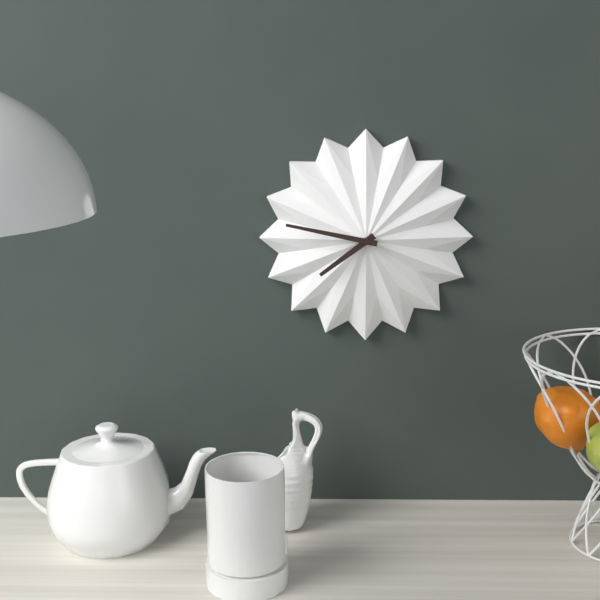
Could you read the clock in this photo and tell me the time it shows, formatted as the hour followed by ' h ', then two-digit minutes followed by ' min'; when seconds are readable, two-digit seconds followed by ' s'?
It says 7 h 47 min
